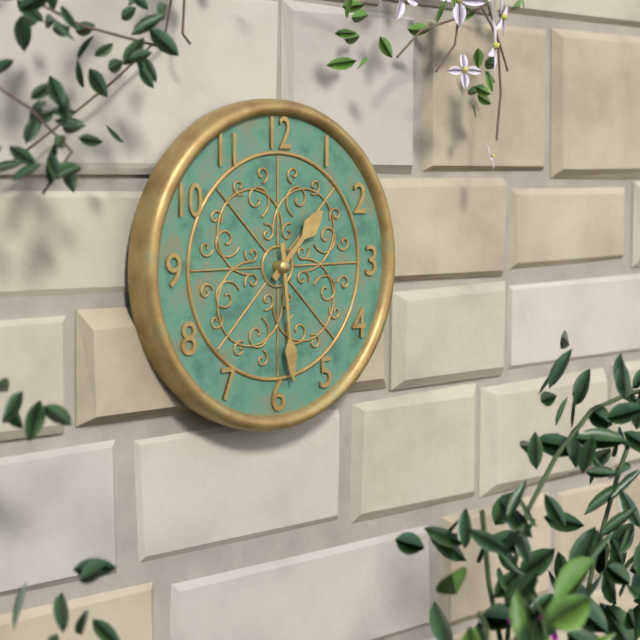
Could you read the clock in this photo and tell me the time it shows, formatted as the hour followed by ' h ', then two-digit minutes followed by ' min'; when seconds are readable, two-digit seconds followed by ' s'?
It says 1 h 29 min
